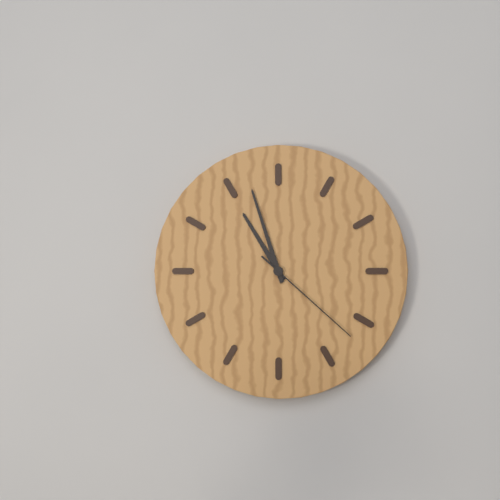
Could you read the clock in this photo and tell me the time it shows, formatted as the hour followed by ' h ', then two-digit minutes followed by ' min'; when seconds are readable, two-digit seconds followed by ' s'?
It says 10 h 57 min 22 s
